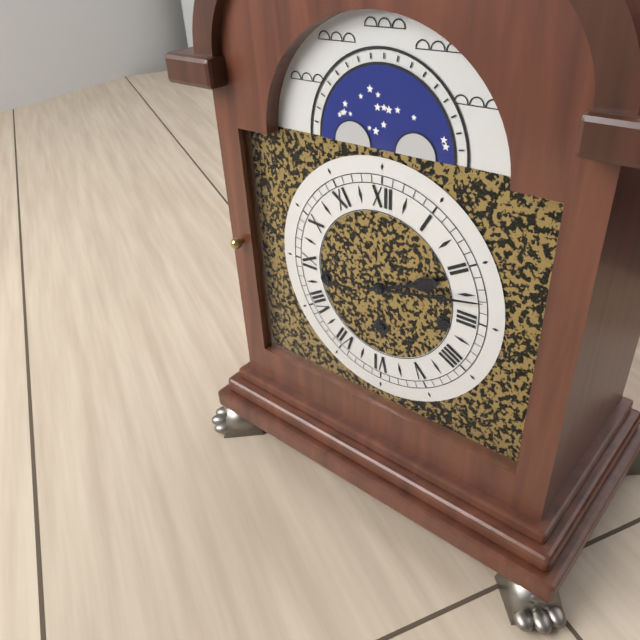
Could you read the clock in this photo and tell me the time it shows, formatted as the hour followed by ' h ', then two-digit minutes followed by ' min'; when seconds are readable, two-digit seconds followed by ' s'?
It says 2 h 13 min
